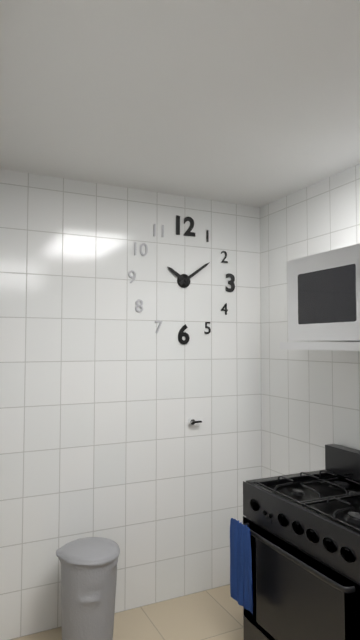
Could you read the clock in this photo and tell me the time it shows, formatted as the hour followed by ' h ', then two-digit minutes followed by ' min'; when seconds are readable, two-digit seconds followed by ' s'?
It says 10 h 09 min
